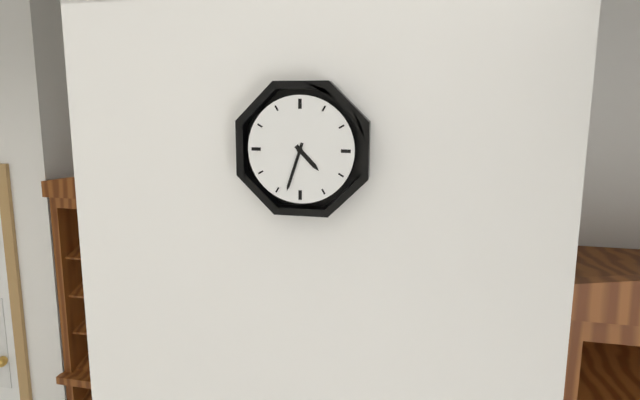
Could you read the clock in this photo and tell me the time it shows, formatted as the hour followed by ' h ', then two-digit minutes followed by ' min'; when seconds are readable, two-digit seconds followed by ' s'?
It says 4 h 33 min
